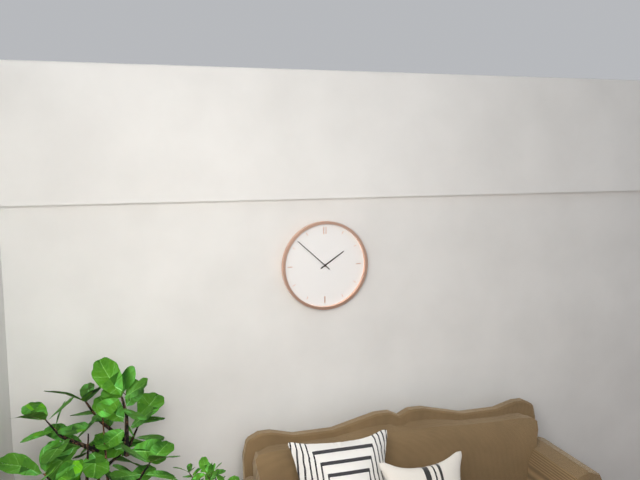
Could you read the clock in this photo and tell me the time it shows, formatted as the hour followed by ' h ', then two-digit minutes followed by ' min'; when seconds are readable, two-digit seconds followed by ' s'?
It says 1 h 52 min
